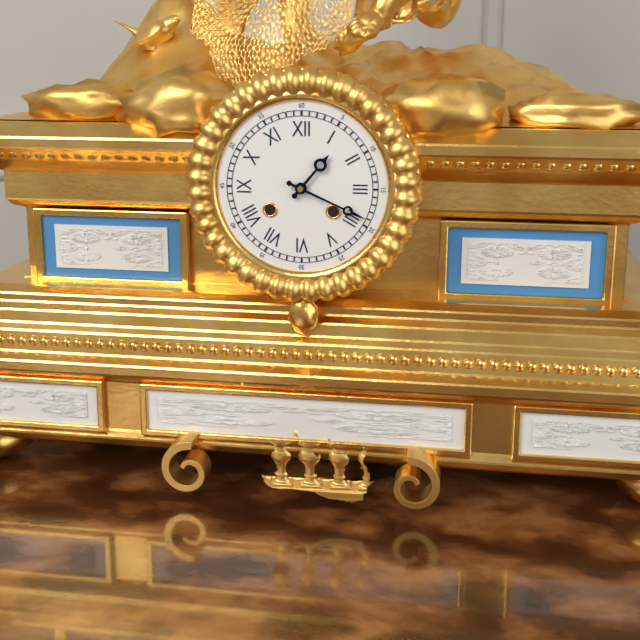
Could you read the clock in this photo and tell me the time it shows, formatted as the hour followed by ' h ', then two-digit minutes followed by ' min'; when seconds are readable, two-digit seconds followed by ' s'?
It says 1 h 19 min
